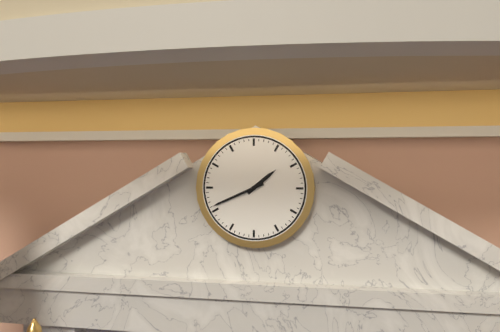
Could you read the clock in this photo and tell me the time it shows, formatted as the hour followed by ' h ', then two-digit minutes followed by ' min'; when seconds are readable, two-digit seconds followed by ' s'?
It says 1 h 41 min
